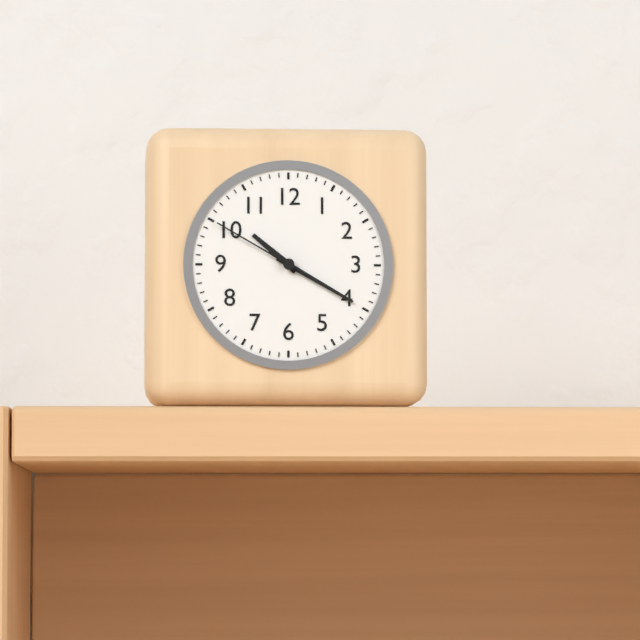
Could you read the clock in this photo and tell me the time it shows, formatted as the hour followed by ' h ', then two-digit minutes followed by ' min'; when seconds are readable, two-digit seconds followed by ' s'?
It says 10 h 20 min 50 s
